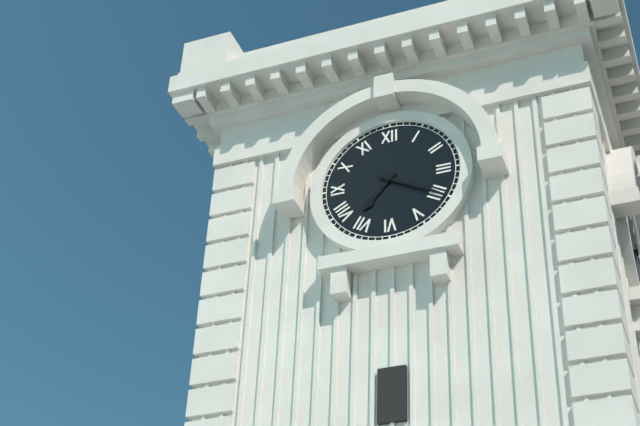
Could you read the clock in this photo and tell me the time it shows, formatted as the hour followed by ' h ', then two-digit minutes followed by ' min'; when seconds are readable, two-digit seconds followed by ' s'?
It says 7 h 20 min
